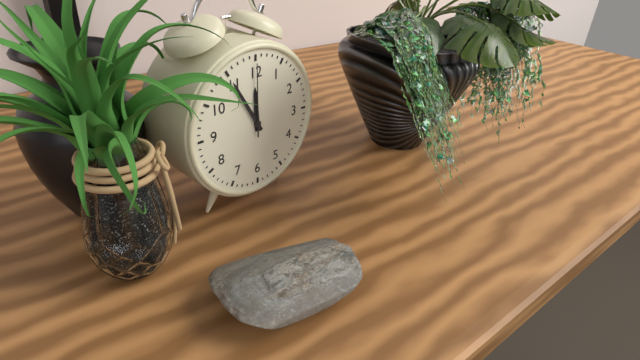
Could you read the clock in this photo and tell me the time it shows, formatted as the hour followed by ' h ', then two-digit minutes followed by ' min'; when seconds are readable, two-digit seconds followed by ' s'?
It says 11 h 55 min 00 s
